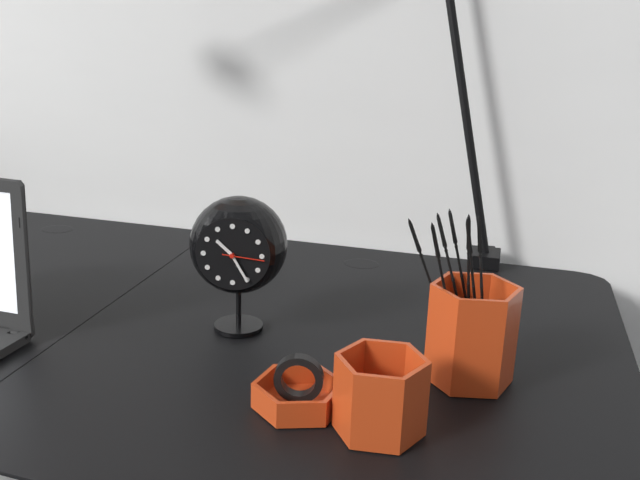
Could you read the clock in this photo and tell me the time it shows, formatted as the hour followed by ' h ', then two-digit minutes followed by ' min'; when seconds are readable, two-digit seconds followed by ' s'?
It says 10 h 25 min
